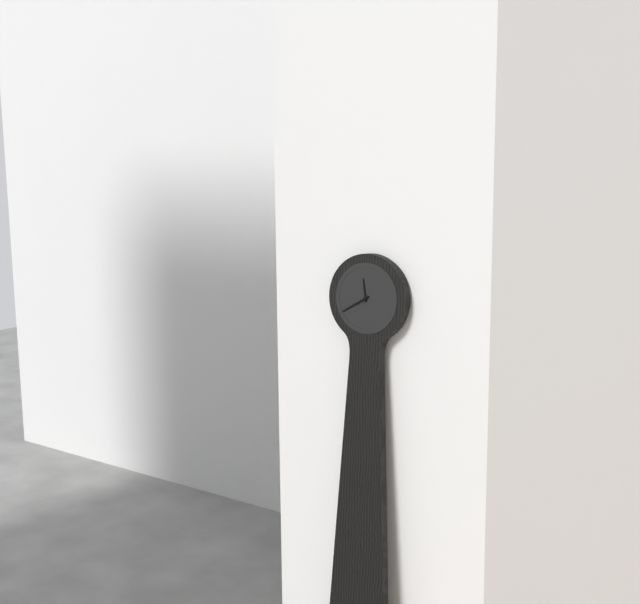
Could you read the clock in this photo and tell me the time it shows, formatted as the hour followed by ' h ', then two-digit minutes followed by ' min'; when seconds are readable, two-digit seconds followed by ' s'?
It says 11 h 40 min
